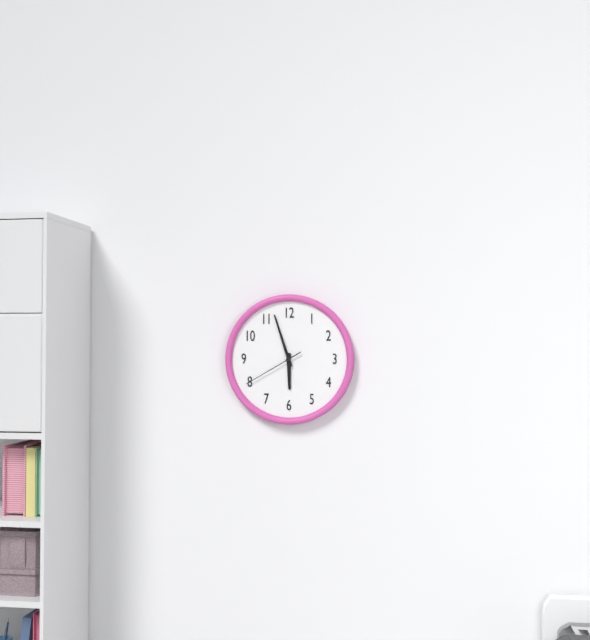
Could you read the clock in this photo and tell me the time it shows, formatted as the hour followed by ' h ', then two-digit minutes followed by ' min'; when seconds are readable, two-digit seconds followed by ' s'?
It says 5 h 57 min 40 s
